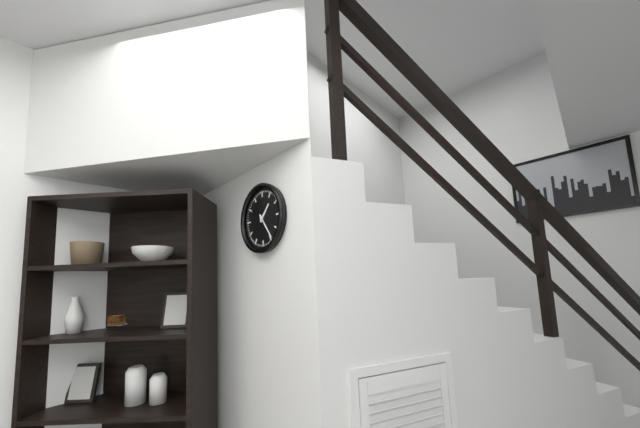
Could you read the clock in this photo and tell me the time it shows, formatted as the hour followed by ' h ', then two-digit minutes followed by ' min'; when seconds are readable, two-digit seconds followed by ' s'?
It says 1 h 24 min
